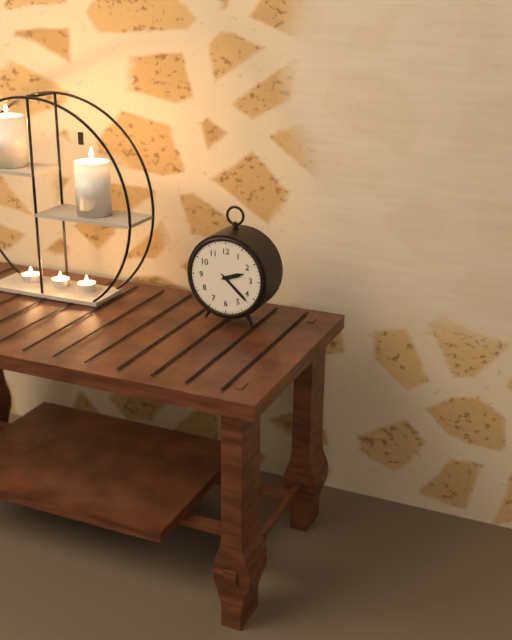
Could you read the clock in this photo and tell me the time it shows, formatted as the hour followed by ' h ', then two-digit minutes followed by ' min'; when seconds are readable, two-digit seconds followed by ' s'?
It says 2 h 22 min
